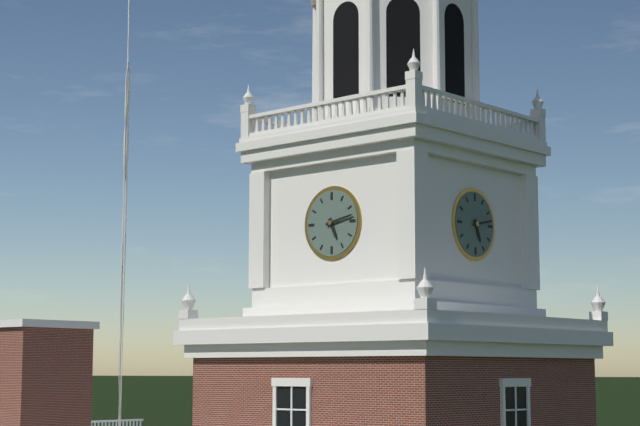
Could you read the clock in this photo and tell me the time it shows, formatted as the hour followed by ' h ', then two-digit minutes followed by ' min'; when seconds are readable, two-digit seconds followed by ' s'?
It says 5 h 13 min
